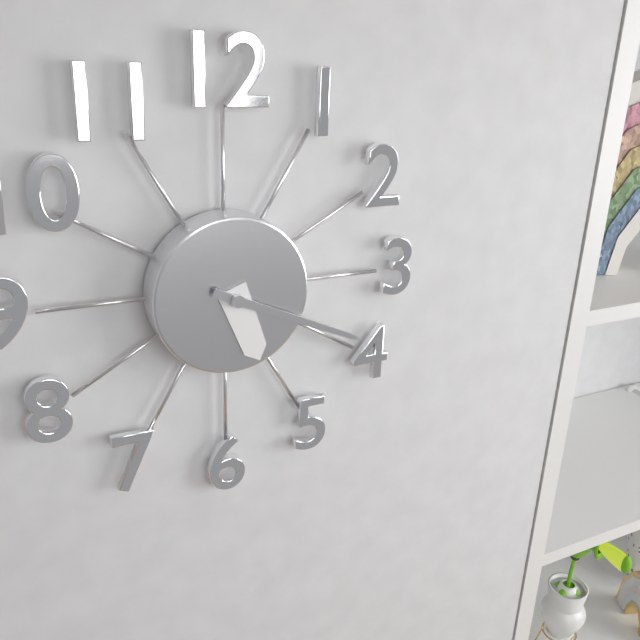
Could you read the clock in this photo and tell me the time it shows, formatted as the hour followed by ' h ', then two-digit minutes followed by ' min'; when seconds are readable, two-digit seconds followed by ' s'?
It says 5 h 19 min
